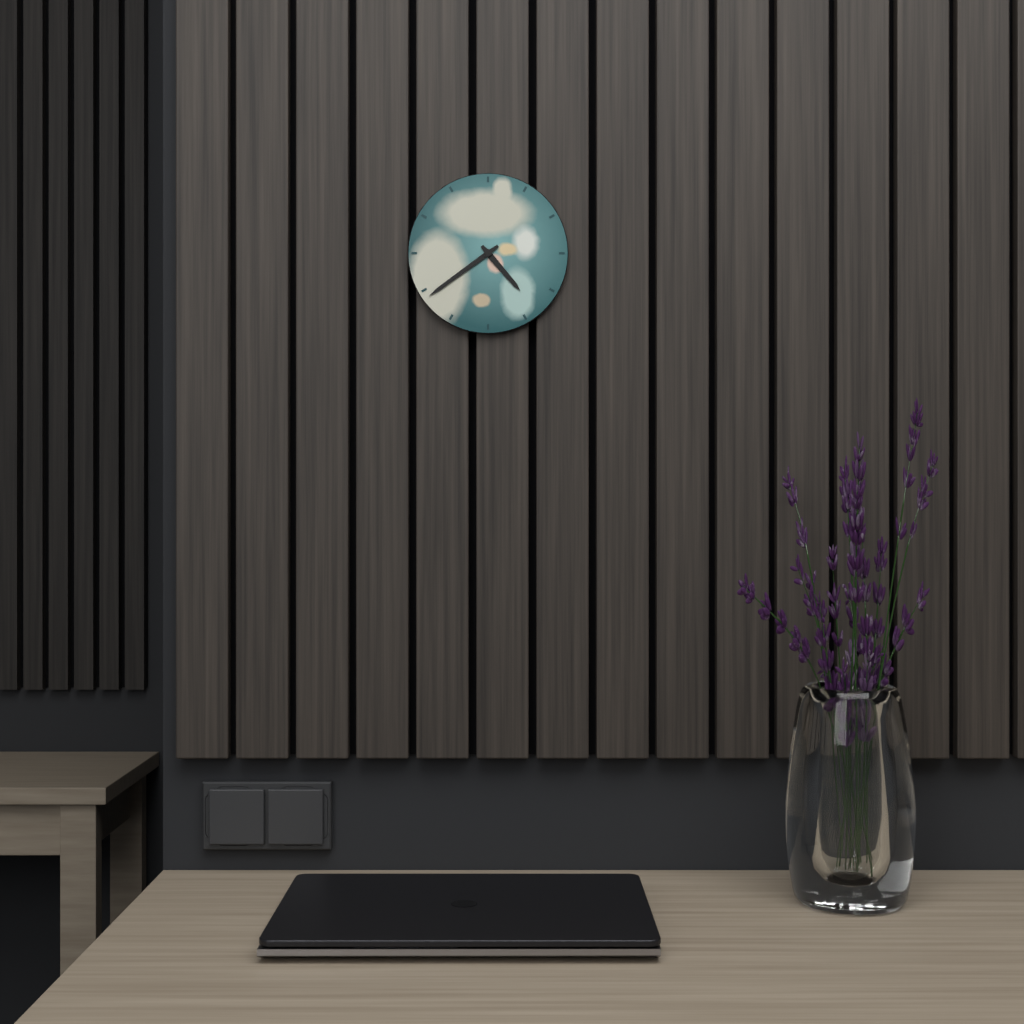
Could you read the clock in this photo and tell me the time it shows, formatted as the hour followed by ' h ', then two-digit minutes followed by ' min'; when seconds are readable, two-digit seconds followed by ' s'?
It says 4 h 39 min
